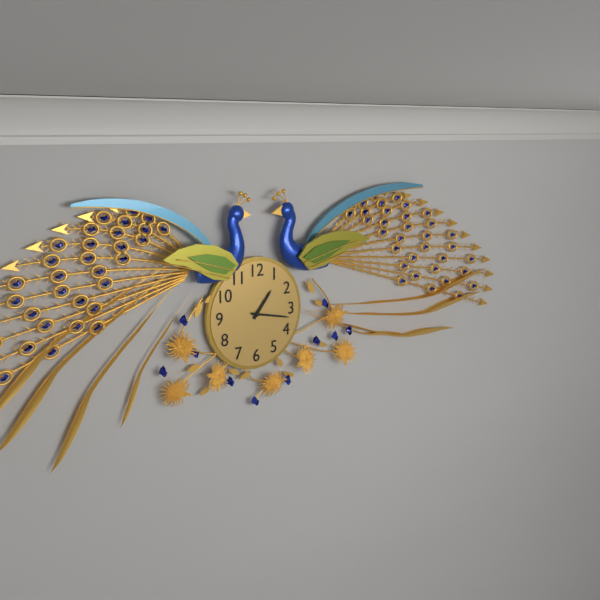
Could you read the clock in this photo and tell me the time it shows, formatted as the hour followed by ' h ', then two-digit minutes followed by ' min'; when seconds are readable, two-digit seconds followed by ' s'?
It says 1 h 17 min
